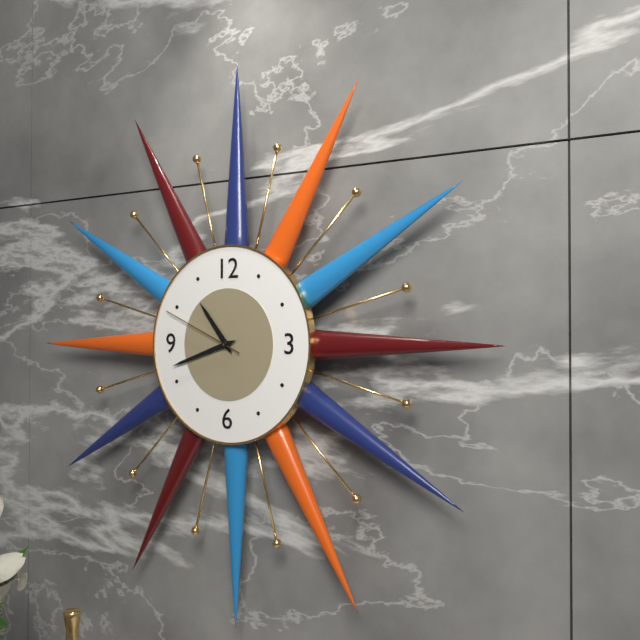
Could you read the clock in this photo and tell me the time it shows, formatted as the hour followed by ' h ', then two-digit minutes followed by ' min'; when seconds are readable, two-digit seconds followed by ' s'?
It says 10 h 42 min 49 s
